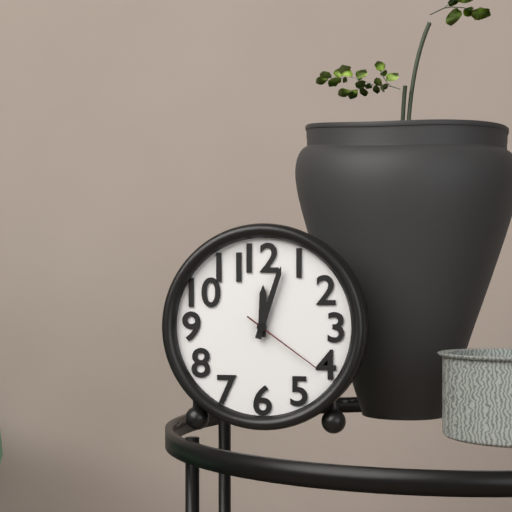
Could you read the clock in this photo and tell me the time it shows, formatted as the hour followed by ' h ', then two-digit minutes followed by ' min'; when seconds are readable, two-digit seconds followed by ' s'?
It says 12 h 03 min 21 s
